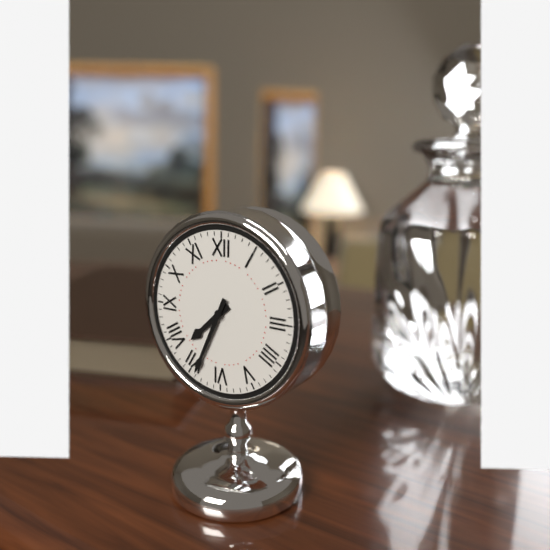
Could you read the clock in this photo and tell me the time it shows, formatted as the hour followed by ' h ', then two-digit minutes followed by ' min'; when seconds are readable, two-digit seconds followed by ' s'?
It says 7 h 34 min
